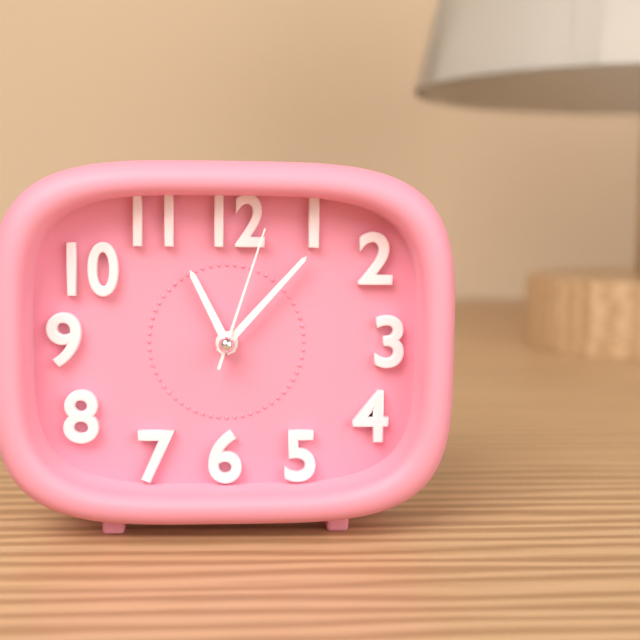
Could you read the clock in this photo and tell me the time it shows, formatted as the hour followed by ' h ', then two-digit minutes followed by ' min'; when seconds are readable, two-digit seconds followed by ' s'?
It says 11 h 07 min 03 s
